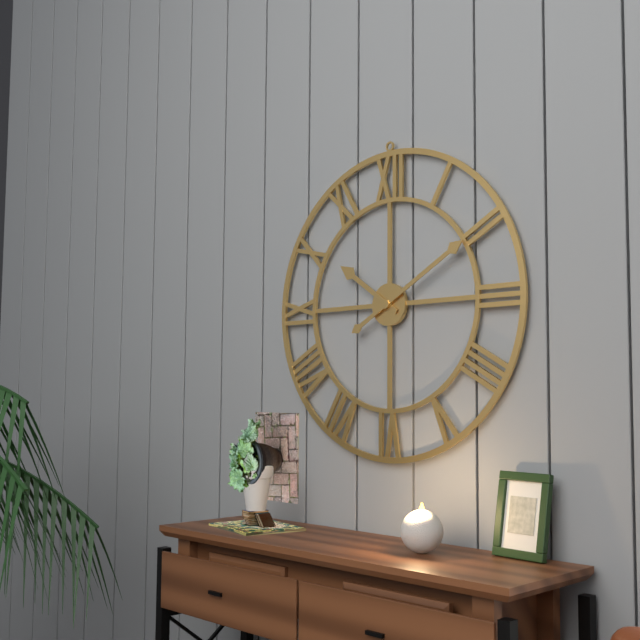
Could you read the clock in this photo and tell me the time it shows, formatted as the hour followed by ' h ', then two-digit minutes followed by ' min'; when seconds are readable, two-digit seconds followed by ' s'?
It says 10 h 10 min
